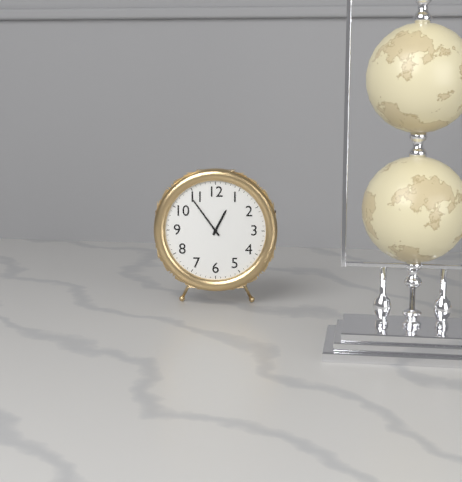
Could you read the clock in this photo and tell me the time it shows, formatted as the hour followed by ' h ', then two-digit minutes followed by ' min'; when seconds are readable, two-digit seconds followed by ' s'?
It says 12 h 54 min
